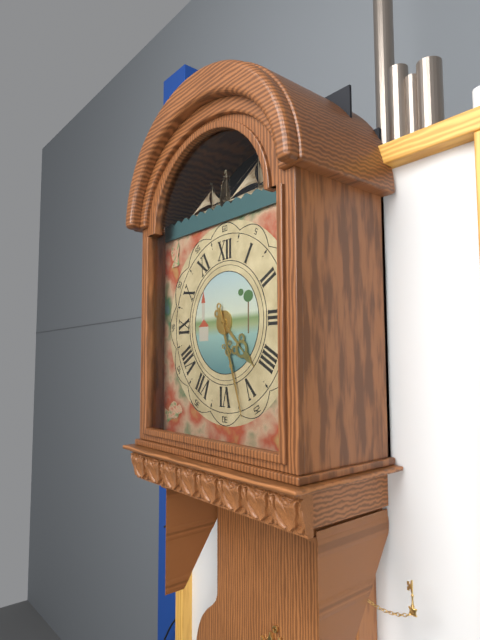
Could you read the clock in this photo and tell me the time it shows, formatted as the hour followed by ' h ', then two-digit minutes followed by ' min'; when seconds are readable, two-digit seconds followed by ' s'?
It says 4 h 27 min
